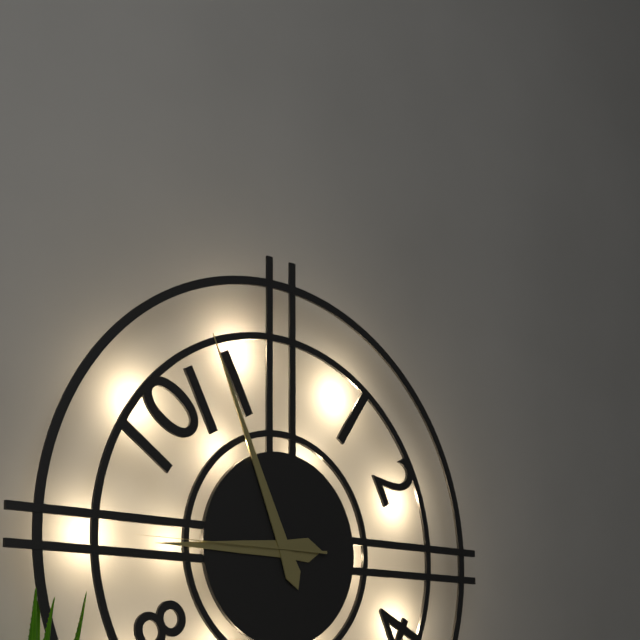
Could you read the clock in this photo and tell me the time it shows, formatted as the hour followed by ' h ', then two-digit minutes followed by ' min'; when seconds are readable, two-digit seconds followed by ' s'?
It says 8 h 56 min 45 s
